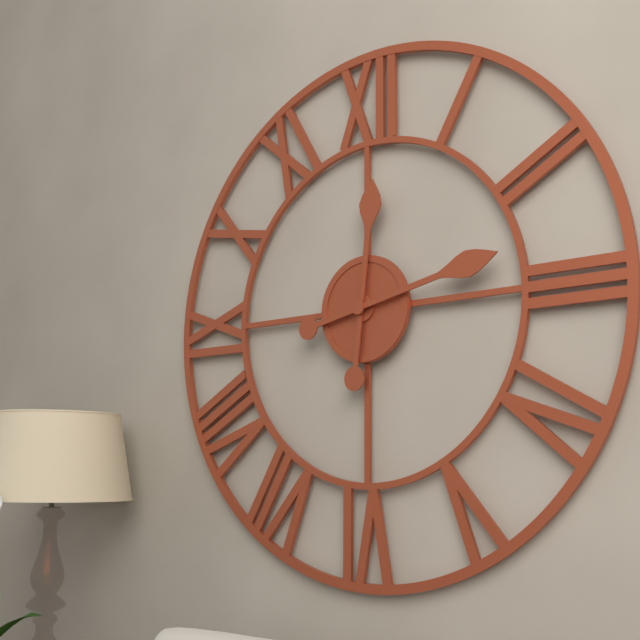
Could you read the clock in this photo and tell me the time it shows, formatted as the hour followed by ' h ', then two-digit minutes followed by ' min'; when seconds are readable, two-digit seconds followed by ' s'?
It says 12 h 13 min
